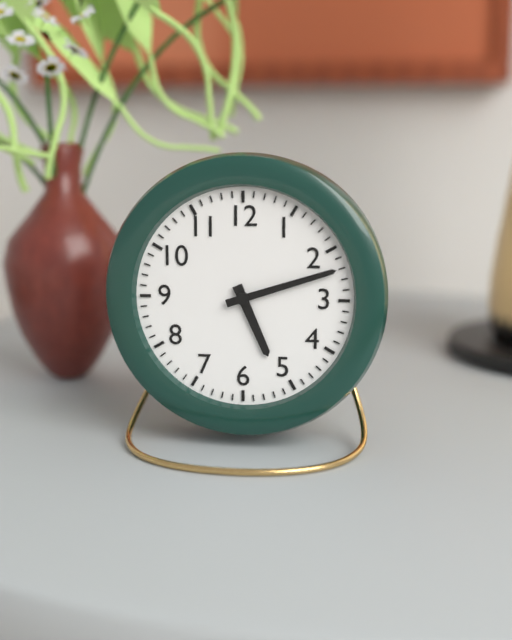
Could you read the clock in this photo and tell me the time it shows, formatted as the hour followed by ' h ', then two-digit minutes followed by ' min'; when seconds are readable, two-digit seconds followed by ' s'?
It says 5 h 12 min
